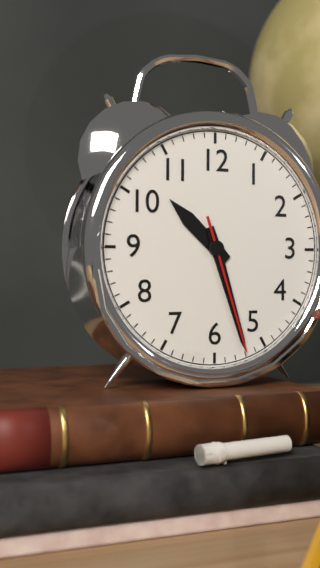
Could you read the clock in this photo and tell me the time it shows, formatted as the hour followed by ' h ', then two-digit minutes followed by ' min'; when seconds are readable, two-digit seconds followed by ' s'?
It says 10 h 27 min 27 s
